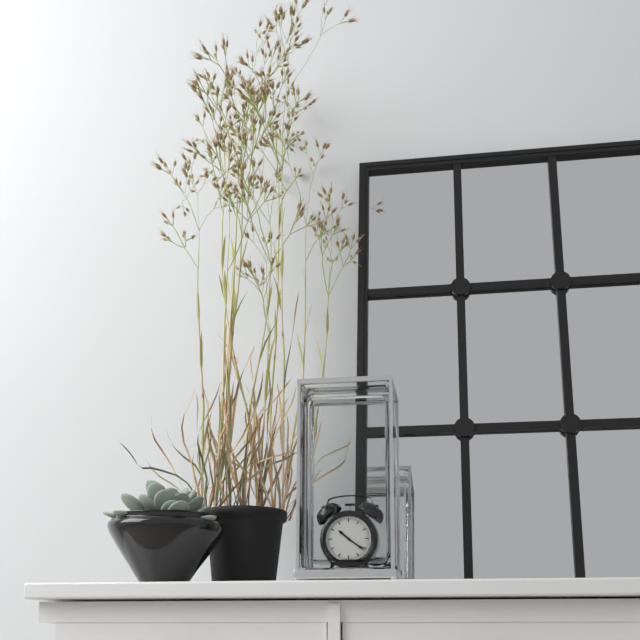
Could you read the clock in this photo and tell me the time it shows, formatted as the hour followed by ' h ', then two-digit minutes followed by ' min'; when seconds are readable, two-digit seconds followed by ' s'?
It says 10 h 21 min
